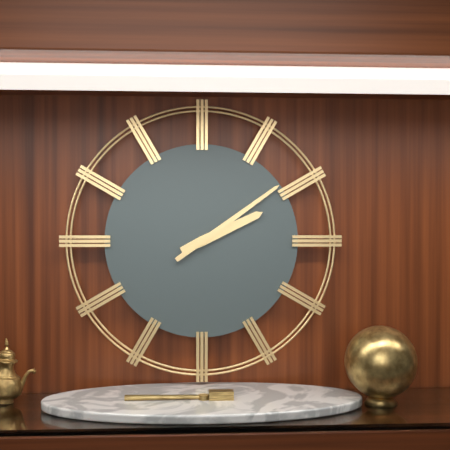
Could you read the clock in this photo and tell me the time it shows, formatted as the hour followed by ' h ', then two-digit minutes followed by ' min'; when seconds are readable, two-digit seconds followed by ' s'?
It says 2 h 09 min
